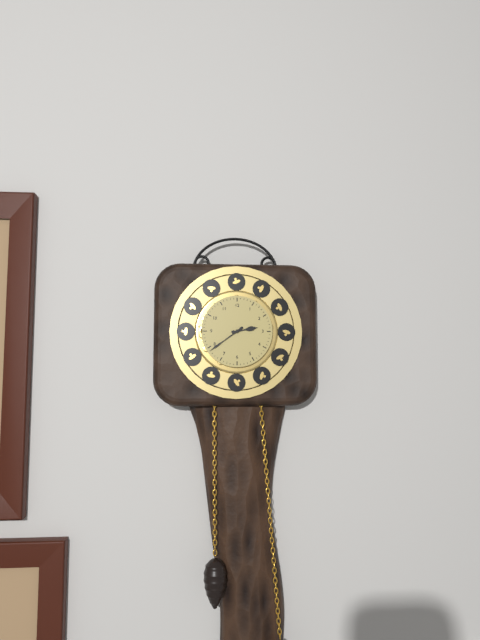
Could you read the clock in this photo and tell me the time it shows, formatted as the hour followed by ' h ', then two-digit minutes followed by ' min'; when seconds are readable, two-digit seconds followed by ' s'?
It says 2 h 39 min
